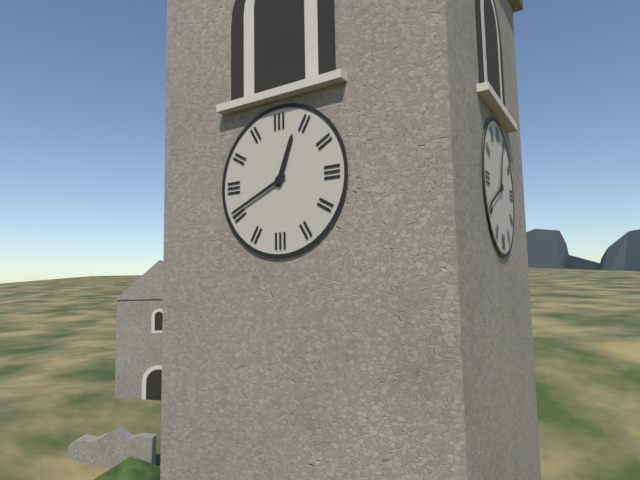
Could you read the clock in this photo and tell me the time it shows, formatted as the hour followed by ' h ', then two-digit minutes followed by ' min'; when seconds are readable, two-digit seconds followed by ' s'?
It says 12 h 41 min
